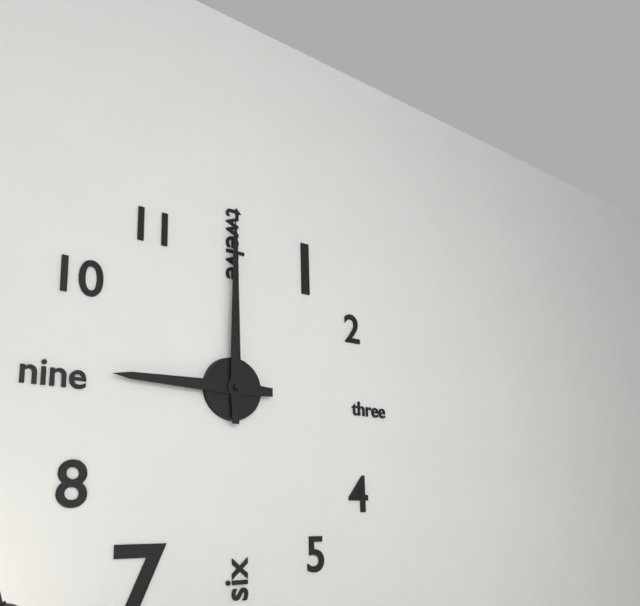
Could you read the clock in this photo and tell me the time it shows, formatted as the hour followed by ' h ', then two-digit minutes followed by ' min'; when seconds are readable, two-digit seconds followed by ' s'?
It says 9 h 00 min
